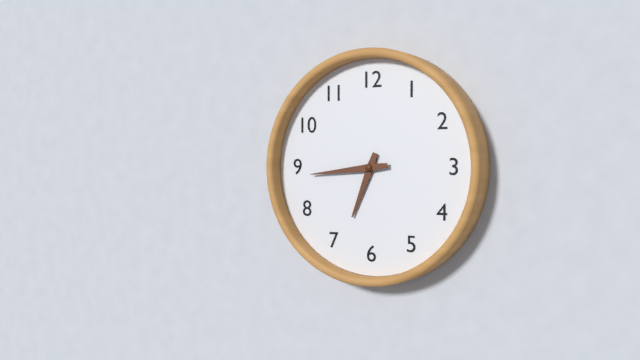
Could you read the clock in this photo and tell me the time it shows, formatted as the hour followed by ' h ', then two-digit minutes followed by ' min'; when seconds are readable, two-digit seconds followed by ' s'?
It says 6 h 44 min
